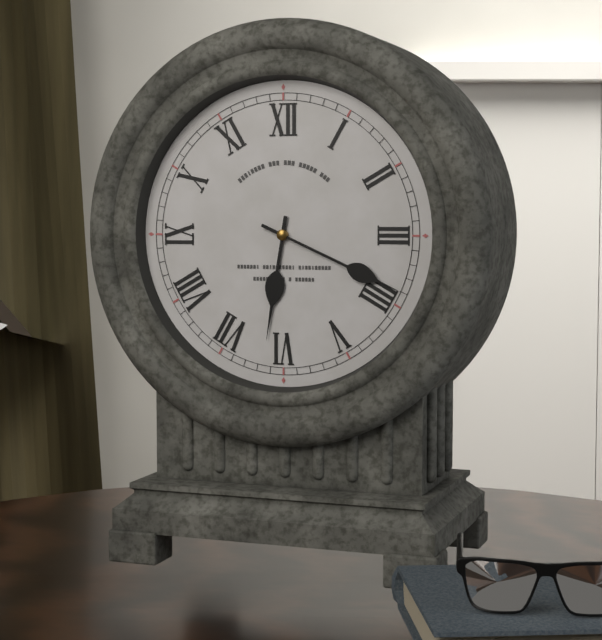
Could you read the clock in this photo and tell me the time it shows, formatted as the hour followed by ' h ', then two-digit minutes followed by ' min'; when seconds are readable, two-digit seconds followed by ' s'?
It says 6 h 19 min
